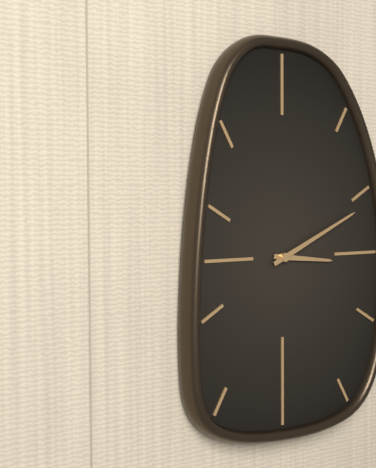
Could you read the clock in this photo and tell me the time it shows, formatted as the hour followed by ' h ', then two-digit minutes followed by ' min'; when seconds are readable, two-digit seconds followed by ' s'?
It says 3 h 11 min
